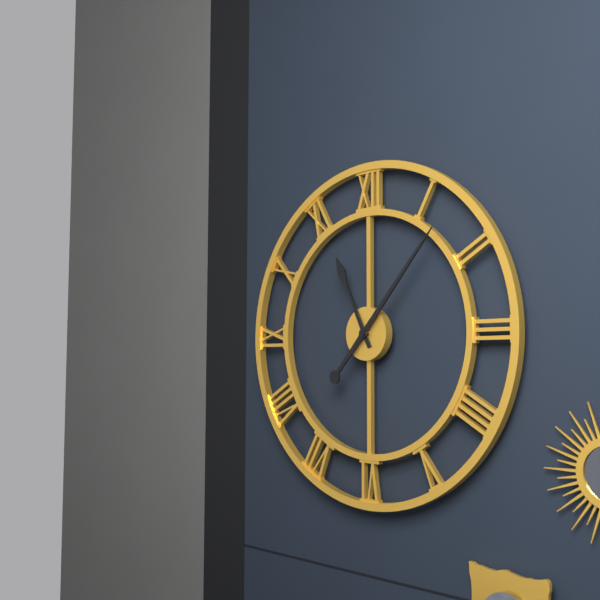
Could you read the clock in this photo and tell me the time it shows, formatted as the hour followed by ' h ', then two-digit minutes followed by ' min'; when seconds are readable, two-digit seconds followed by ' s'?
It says 11 h 07 min
